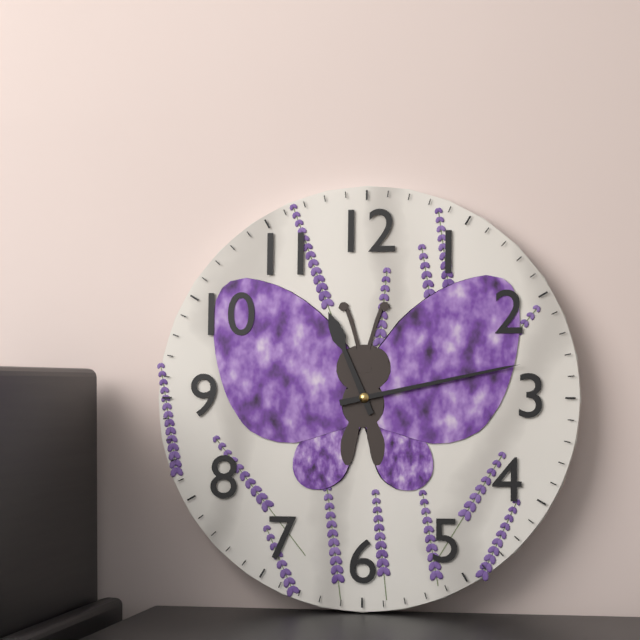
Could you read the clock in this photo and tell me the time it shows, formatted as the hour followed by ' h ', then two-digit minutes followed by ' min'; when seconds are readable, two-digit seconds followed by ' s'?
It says 11 h 13 min
